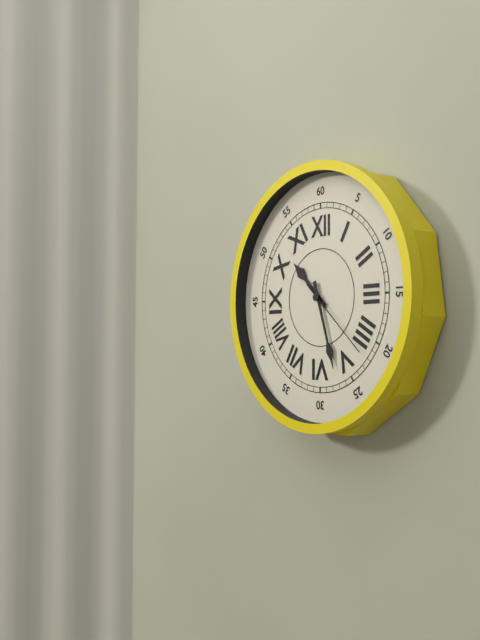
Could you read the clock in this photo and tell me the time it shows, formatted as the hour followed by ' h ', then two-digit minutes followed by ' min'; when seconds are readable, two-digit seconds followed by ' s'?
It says 10 h 27 min 22 s
